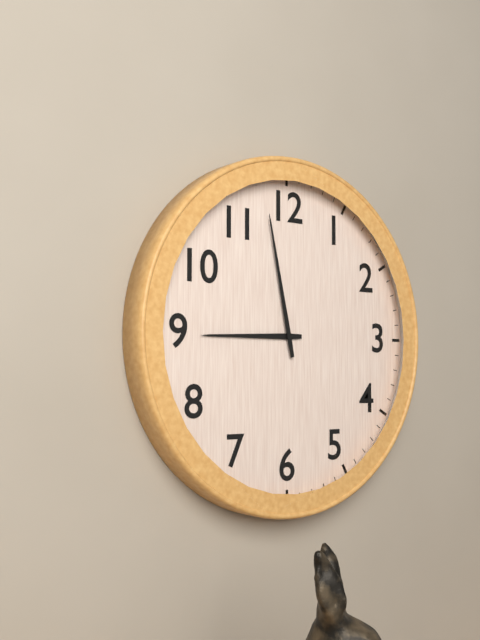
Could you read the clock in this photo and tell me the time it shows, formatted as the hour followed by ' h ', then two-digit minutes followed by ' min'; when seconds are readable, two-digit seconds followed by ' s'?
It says 8 h 58 min
